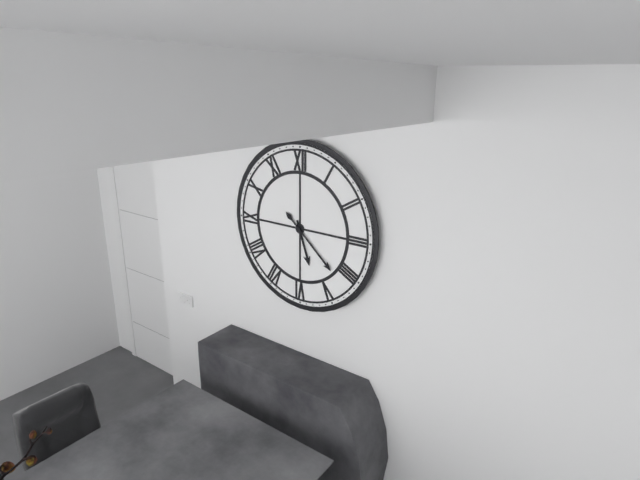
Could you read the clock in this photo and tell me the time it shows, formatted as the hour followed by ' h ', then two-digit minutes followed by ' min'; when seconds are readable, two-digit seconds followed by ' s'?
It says 5 h 22 min
